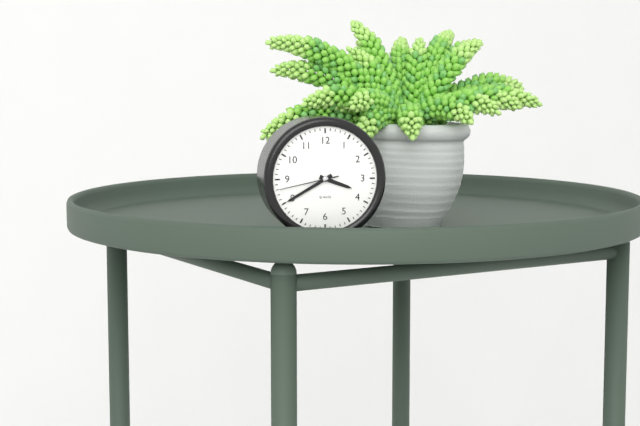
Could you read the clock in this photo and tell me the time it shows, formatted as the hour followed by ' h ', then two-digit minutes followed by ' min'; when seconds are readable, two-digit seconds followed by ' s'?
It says 3 h 40 min 43 s
